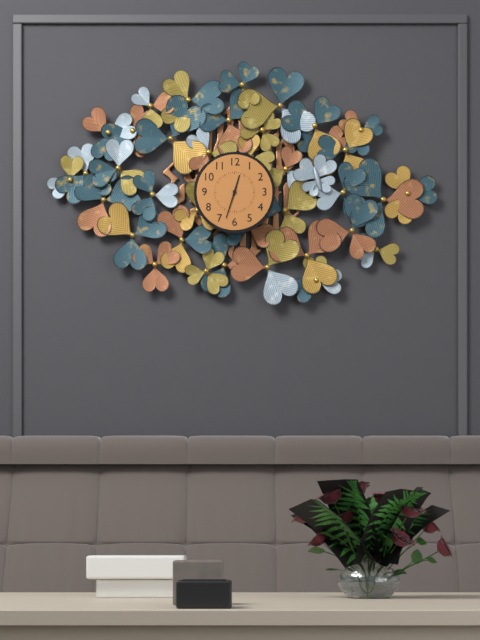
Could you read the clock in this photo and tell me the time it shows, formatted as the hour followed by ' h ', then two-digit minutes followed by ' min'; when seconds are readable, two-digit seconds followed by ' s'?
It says 12 h 33 min
